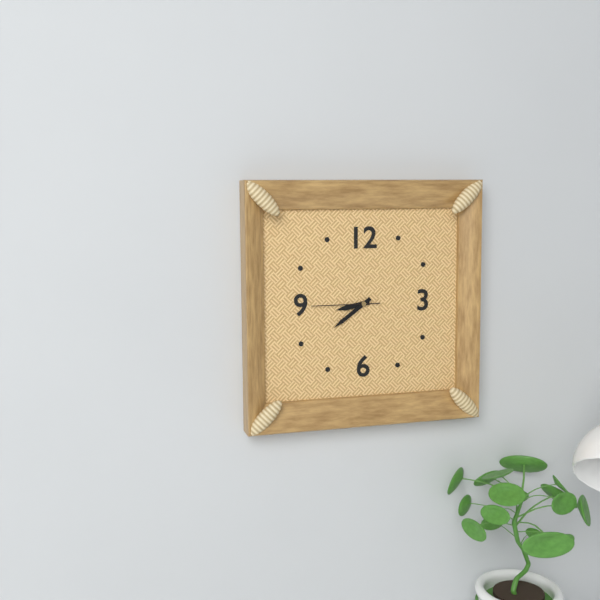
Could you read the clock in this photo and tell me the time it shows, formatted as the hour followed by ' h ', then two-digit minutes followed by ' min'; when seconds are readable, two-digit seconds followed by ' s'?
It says 8 h 39 min 45 s
